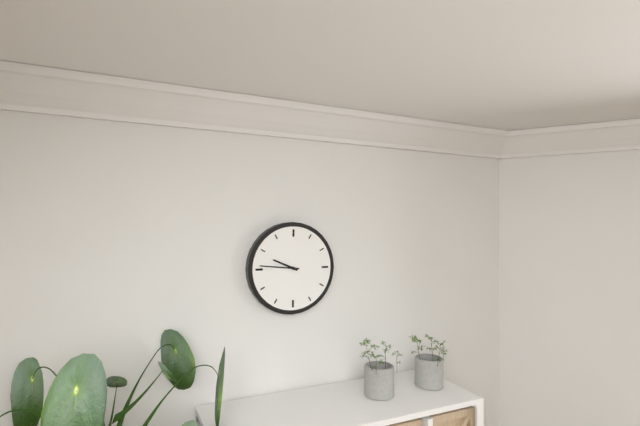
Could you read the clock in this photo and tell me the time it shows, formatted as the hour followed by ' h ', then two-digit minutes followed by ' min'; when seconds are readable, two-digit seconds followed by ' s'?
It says 9 h 46 min
